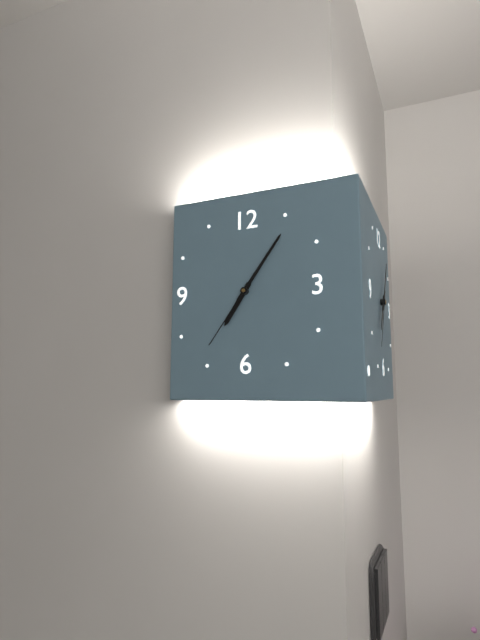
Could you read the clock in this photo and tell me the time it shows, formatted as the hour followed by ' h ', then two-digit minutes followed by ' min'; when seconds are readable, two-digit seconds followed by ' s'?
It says 7 h 06 min 36 s
